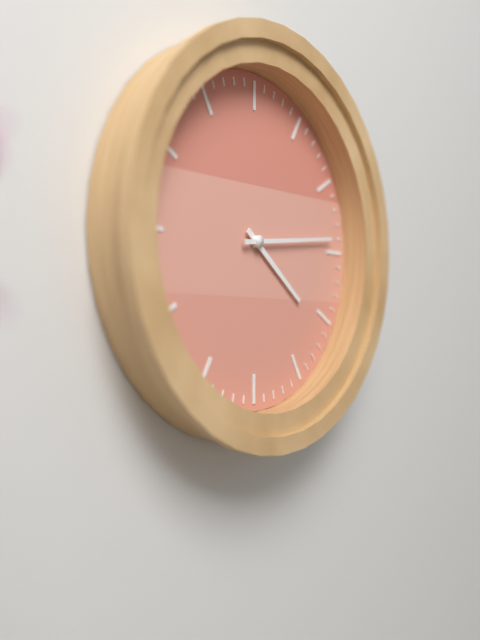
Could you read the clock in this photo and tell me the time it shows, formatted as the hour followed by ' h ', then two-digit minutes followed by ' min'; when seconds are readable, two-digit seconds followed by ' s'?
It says 4 h 14 min
